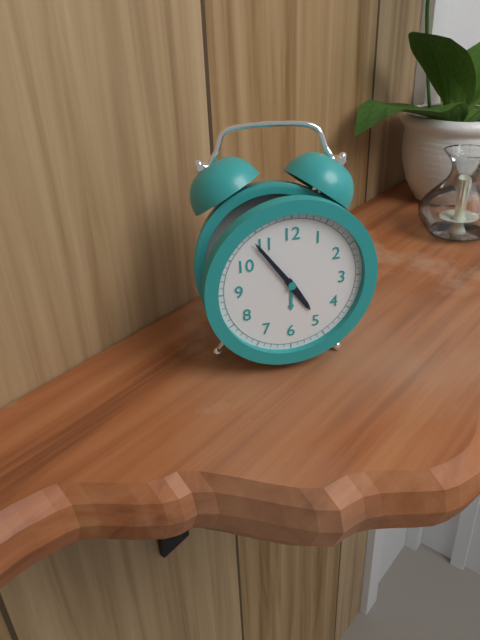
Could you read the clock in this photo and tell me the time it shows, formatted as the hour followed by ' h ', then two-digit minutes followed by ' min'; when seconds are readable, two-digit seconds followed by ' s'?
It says 4 h 54 min
